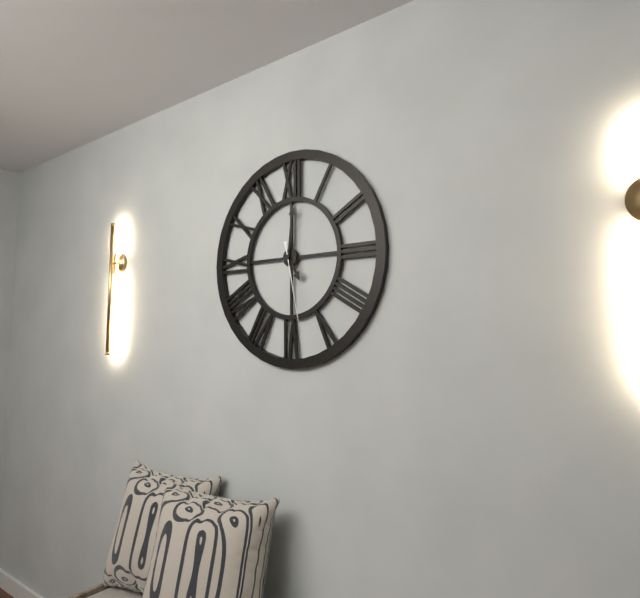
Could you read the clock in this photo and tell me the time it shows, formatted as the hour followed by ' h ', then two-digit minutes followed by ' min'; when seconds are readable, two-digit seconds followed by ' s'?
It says 5 h 01 min 28 s
